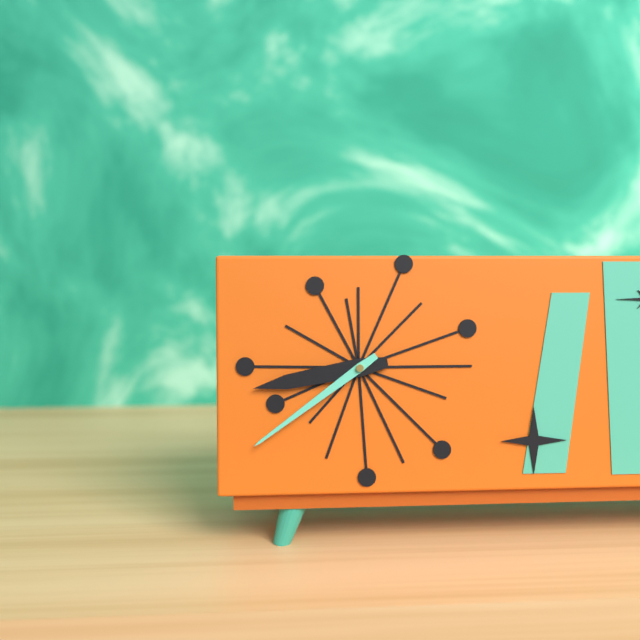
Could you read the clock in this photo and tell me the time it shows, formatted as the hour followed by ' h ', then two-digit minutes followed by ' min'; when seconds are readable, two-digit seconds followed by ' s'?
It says 8 h 39 min
